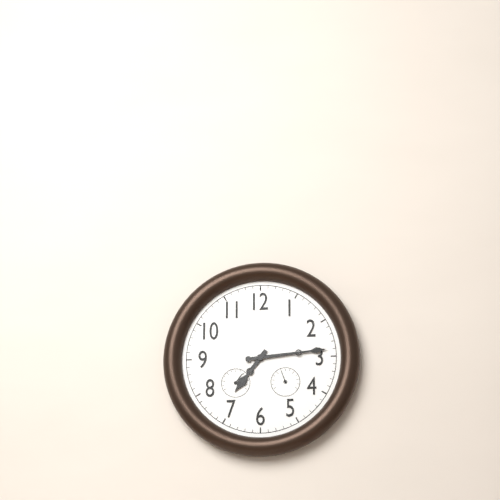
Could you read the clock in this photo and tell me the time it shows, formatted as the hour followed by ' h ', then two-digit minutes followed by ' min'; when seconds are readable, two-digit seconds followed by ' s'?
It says 7 h 14 min
